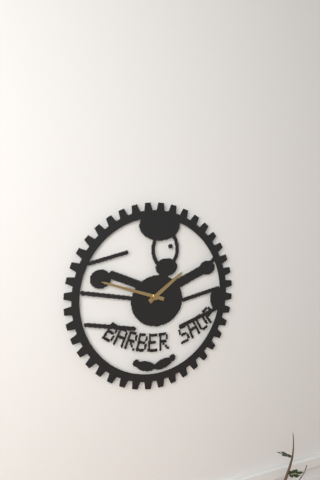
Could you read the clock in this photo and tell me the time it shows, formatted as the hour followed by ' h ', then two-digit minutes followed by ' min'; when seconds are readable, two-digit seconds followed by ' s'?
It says 1 h 48 min
